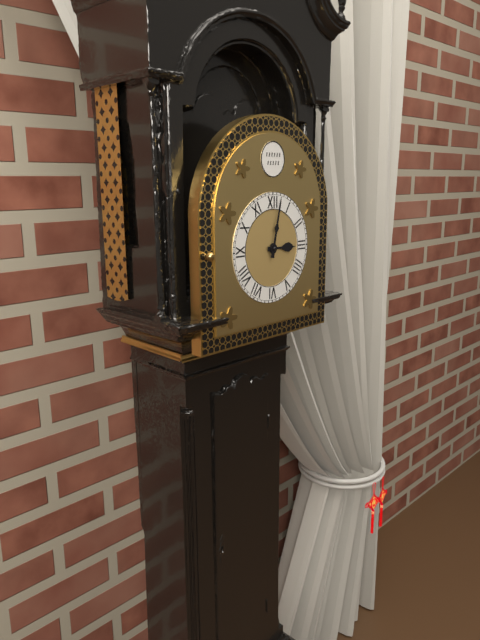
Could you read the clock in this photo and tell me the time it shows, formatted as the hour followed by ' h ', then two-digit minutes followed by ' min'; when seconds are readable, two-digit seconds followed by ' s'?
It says 3 h 02 min
